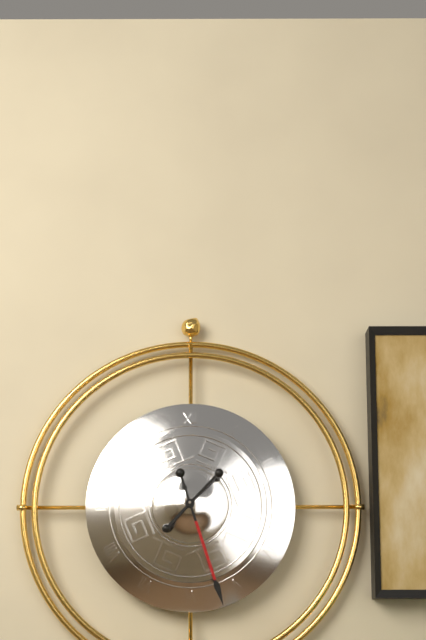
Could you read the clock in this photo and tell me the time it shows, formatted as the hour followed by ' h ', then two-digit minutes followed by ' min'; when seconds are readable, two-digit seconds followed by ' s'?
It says 1 h 27 min
